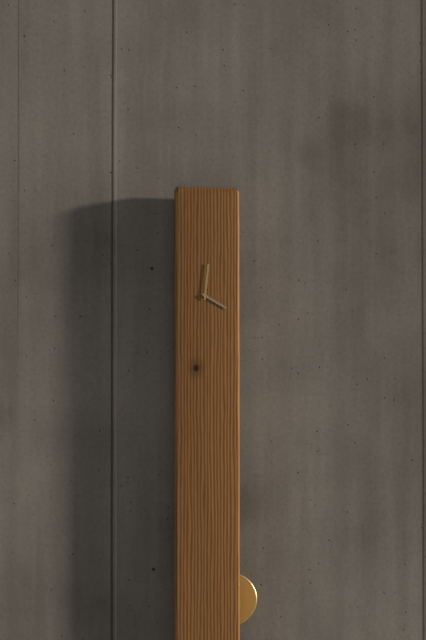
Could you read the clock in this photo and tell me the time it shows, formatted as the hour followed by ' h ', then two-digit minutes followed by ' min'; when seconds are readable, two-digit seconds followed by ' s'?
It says 4 h 01 min
